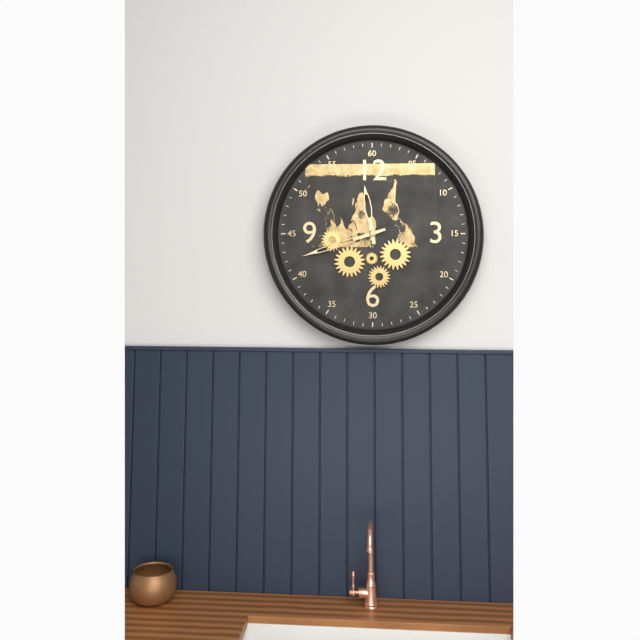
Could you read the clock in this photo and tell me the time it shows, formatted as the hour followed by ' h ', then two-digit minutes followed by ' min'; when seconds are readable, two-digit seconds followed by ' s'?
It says 11 h 42 min
